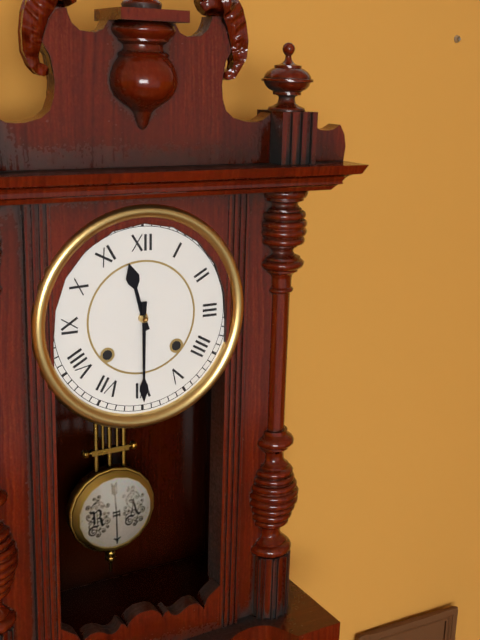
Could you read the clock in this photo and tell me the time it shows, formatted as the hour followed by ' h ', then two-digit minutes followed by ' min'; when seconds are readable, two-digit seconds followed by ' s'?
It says 11 h 30 min
